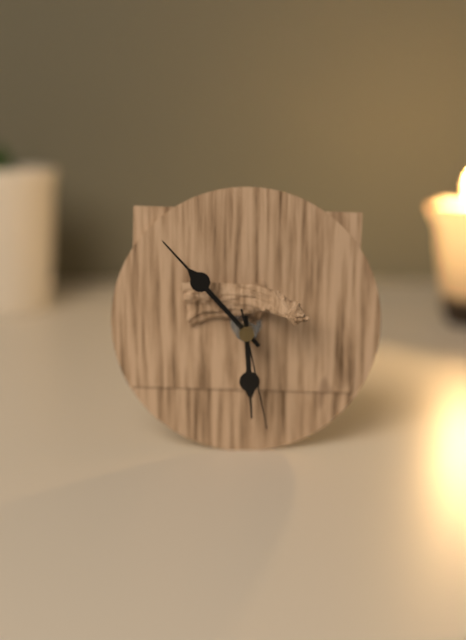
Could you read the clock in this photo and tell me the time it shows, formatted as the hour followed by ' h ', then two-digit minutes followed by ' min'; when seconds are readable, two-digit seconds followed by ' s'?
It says 5 h 53 min 28 s
